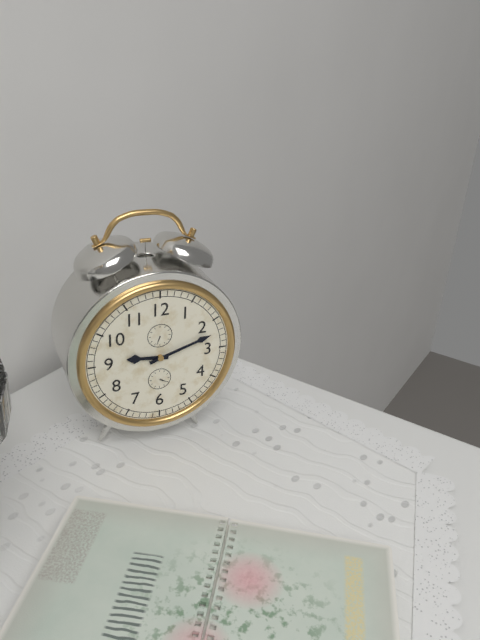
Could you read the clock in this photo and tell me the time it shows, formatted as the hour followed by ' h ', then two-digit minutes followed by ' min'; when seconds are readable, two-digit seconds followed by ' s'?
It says 9 h 12 min
